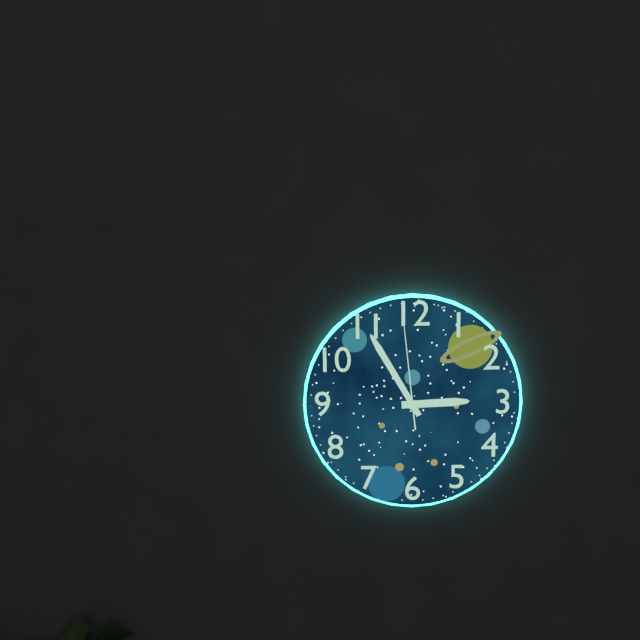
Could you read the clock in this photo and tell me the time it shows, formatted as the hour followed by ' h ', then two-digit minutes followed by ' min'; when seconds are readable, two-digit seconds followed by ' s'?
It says 2 h 55 min 59 s
